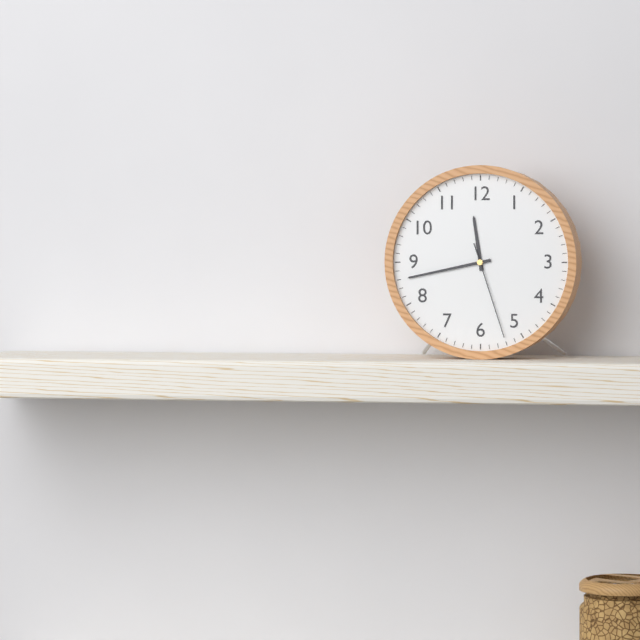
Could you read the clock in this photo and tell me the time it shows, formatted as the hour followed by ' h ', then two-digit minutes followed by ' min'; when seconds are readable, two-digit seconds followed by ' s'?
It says 11 h 43 min 27 s
